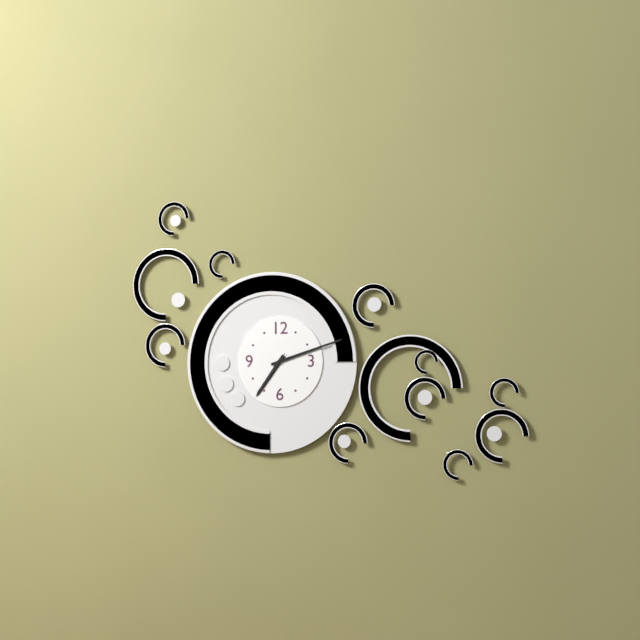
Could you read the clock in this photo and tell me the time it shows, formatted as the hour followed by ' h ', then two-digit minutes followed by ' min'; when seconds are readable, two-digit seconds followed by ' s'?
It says 7 h 12 min
